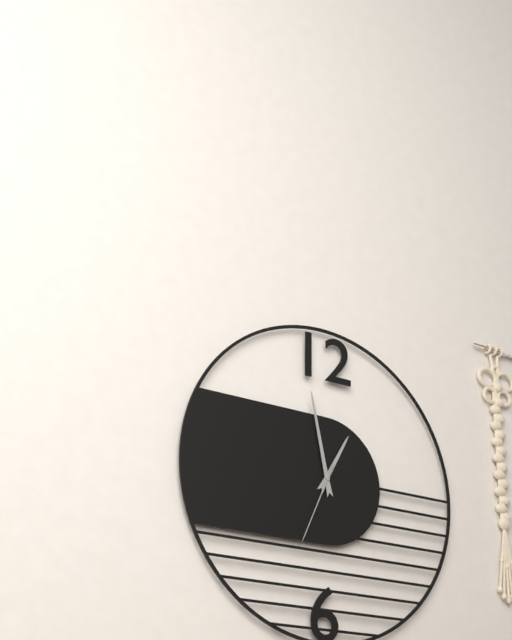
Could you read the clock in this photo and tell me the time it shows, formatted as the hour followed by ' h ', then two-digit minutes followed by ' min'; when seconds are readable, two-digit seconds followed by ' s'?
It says 12 h 58 min 34 s
